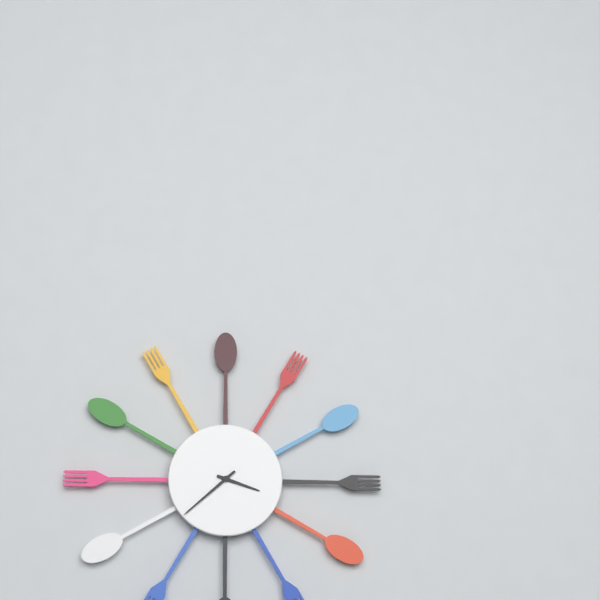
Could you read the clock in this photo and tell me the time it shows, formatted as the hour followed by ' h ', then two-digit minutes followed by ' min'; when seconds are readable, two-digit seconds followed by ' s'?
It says 3 h 38 min
